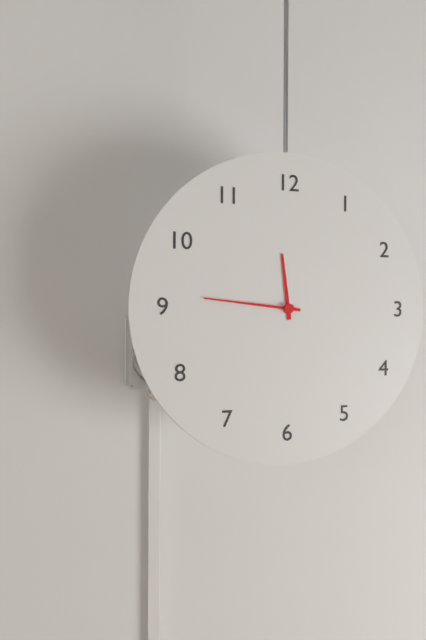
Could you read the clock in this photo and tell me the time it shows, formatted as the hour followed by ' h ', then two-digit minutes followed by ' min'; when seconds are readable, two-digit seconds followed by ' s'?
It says 11 h 46 min
